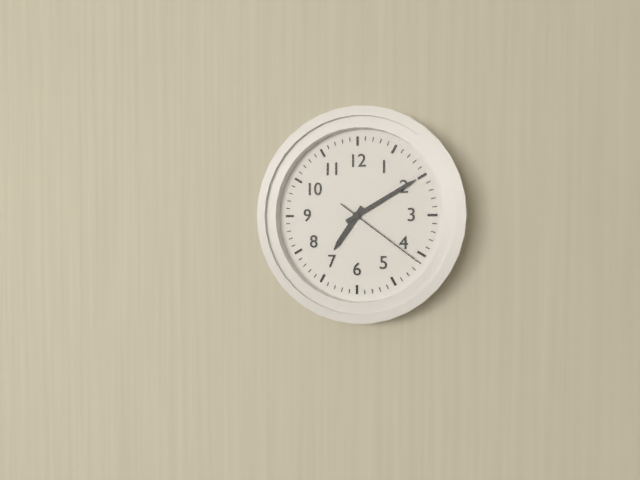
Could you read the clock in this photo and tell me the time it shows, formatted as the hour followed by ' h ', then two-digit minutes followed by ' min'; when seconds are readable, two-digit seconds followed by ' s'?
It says 7 h 10 min 21 s
